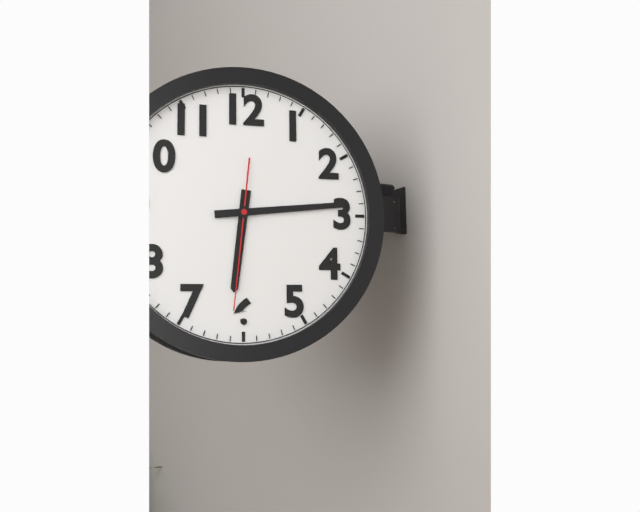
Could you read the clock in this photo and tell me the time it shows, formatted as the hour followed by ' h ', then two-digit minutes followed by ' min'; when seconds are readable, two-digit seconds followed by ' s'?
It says 6 h 14 min 31 s
